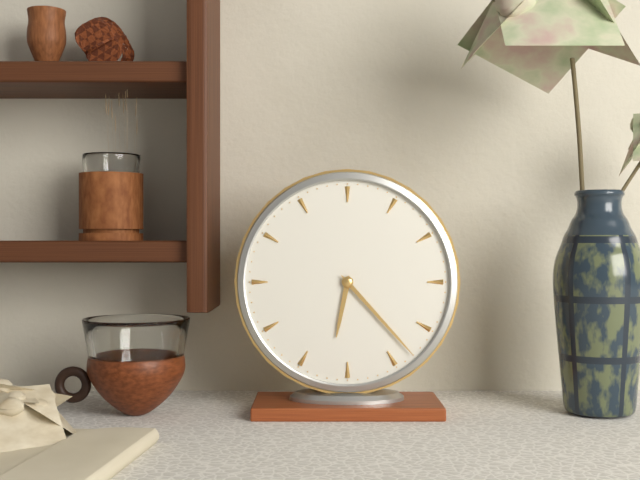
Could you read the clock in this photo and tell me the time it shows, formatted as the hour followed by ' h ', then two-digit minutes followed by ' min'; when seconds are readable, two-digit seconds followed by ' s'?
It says 6 h 23 min
